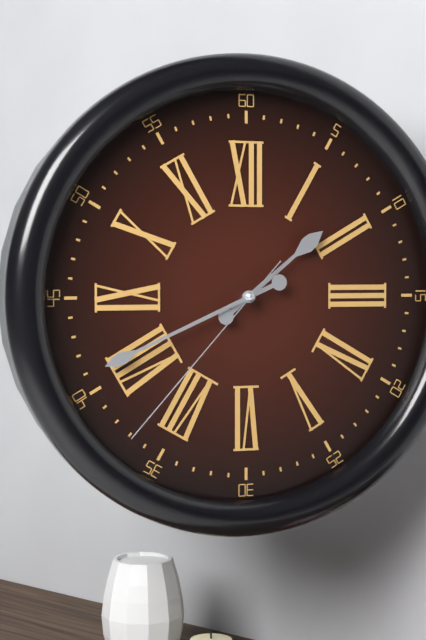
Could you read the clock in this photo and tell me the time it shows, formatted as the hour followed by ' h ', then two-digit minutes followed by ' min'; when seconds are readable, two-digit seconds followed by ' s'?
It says 1 h 41 min 37 s
